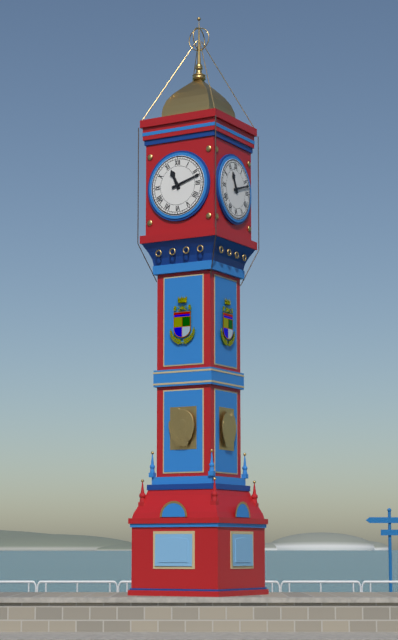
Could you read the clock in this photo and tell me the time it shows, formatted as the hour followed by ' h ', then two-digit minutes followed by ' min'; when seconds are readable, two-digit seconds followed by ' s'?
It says 11 h 12 min
